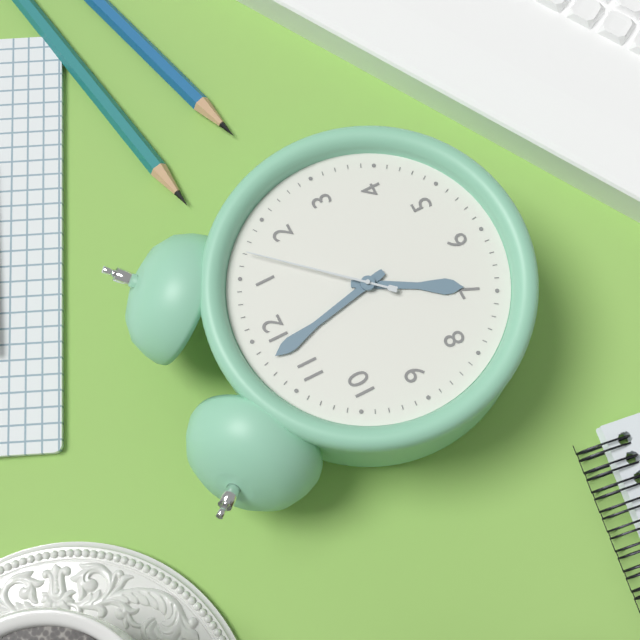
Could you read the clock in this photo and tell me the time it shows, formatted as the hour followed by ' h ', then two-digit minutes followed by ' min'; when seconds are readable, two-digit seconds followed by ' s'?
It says 6 h 58 min 07 s
